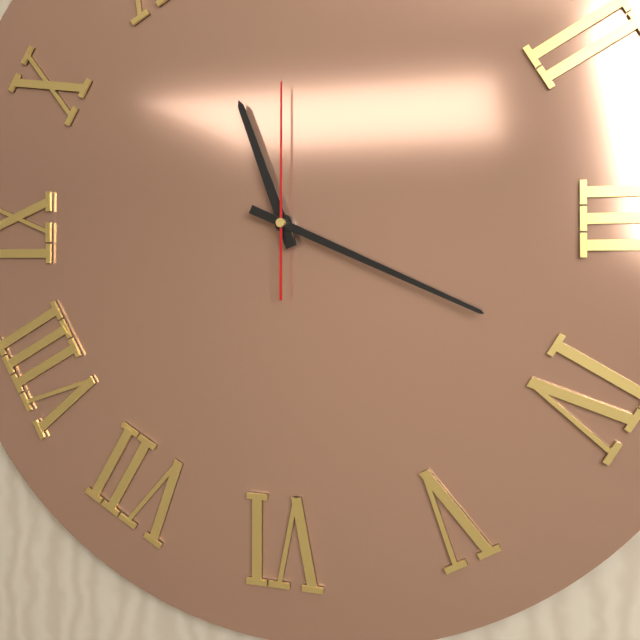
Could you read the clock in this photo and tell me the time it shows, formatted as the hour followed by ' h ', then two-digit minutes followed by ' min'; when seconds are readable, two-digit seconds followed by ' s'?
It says 11 h 19 min 00 s
